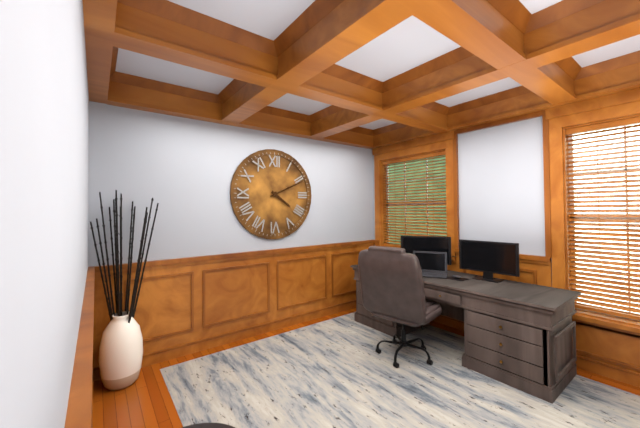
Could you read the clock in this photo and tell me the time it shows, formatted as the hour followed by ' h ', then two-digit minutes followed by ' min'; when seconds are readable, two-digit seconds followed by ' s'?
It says 4 h 11 min
